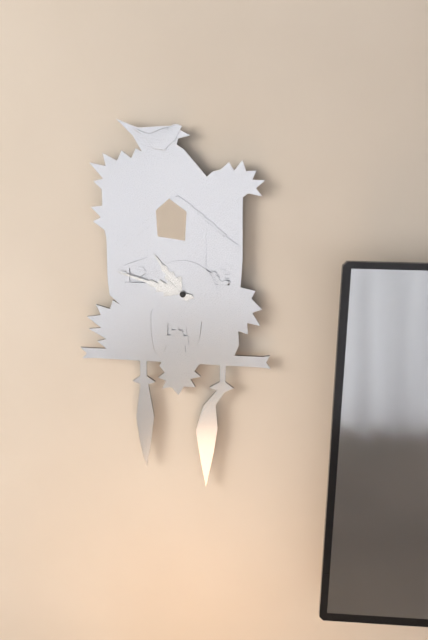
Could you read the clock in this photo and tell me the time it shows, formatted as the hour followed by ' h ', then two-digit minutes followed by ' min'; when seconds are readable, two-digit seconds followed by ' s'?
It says 10 h 48 min
